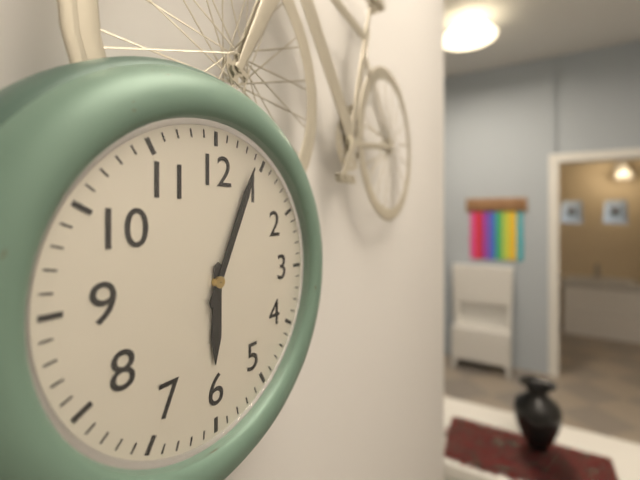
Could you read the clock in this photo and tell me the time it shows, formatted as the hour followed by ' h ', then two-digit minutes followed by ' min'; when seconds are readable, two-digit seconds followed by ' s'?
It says 6 h 04 min
